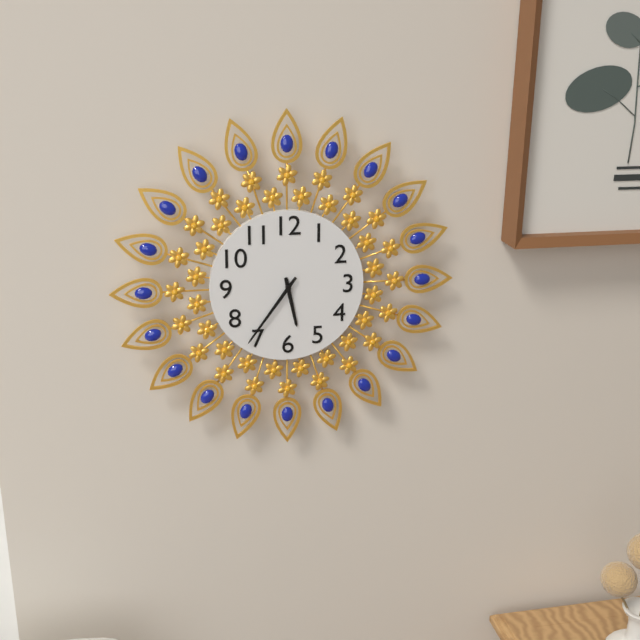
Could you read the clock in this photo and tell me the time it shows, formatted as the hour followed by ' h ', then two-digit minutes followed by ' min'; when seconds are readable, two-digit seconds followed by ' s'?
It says 5 h 36 min
